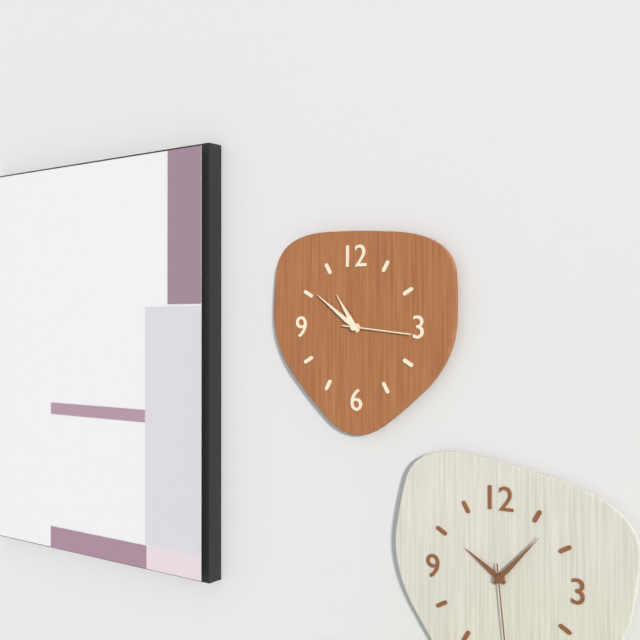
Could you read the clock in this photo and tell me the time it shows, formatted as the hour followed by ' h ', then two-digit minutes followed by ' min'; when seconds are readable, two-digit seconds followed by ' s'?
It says 10 h 51 min 16 s
